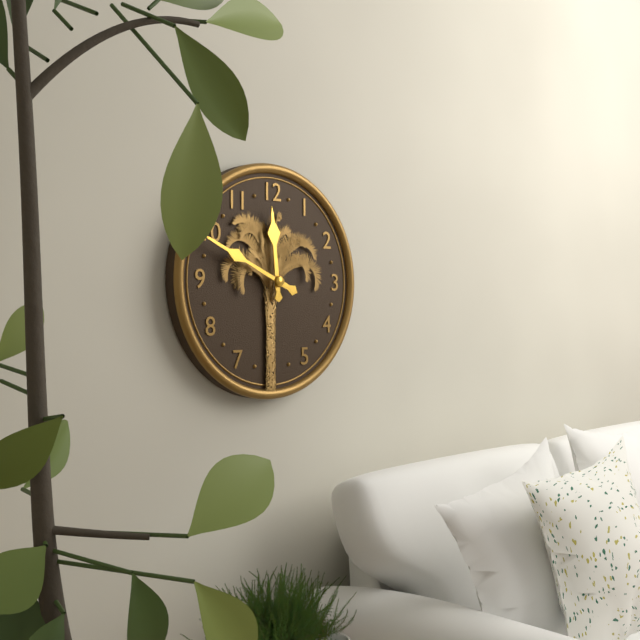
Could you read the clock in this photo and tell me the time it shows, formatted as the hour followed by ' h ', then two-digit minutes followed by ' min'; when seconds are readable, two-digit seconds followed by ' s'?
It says 11 h 49 min
